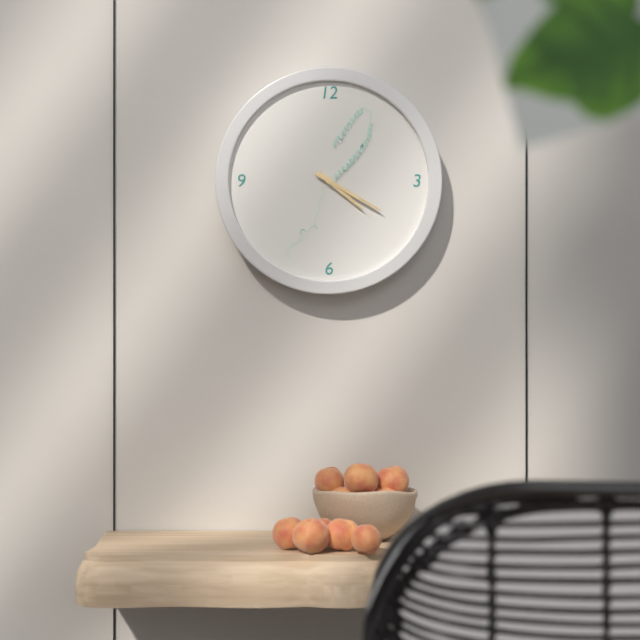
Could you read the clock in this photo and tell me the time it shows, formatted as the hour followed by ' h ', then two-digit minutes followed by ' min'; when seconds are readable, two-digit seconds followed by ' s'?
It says 4 h 20 min
